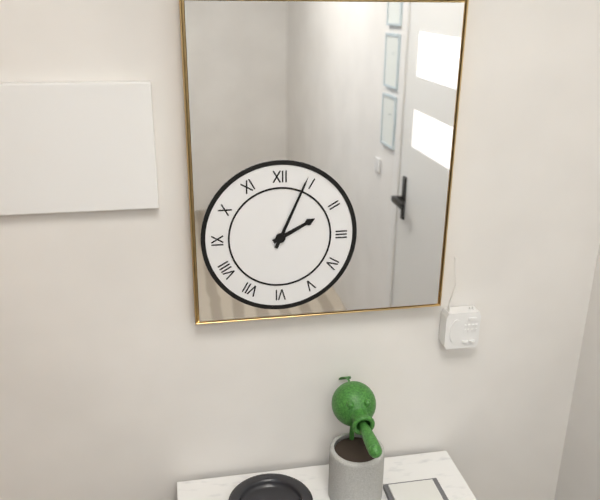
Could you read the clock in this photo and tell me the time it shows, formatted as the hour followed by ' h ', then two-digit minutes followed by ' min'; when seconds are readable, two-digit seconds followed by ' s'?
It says 2 h 04 min
